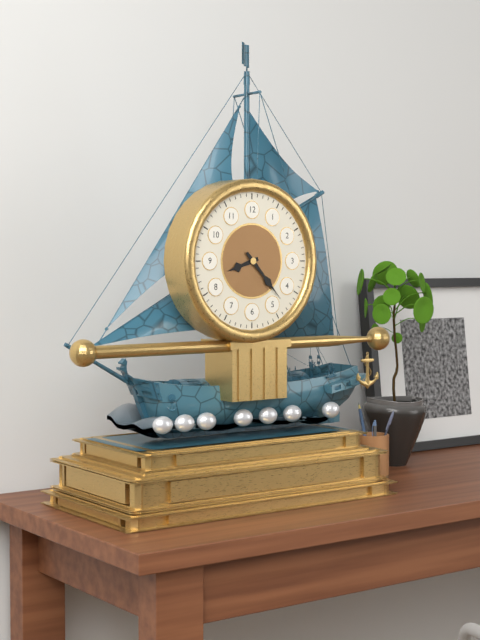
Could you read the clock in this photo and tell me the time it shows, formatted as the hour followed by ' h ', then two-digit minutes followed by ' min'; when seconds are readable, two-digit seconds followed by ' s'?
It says 8 h 23 min
